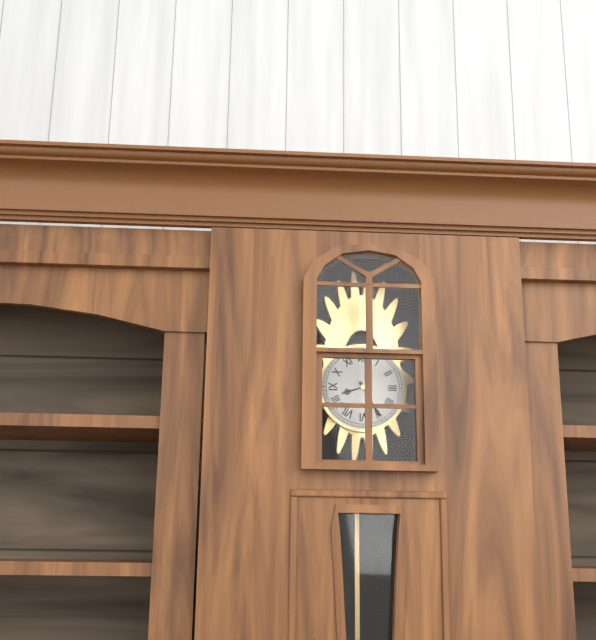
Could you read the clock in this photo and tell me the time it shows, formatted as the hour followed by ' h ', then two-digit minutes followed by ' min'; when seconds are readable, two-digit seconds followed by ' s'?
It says 8 h 25 min
